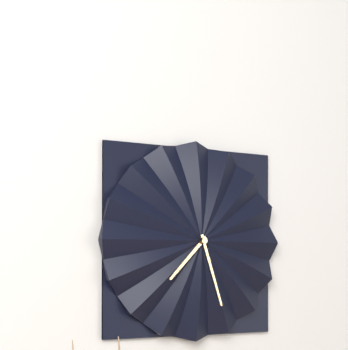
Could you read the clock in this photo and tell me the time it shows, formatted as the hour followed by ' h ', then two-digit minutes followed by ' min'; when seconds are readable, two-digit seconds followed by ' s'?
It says 7 h 27 min
